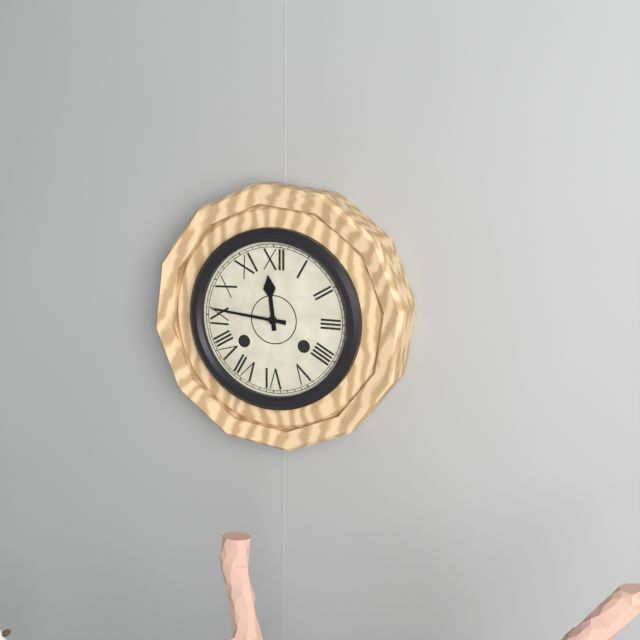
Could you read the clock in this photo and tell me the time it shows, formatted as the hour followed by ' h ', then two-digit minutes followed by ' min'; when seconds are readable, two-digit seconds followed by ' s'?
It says 11 h 46 min
